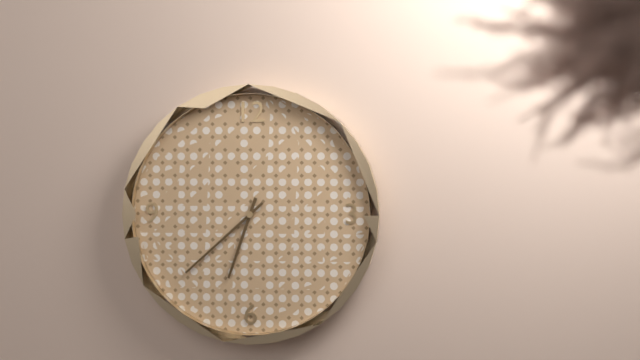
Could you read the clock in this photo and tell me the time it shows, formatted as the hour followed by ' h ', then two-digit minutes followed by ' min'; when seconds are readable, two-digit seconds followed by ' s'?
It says 6 h 38 min
